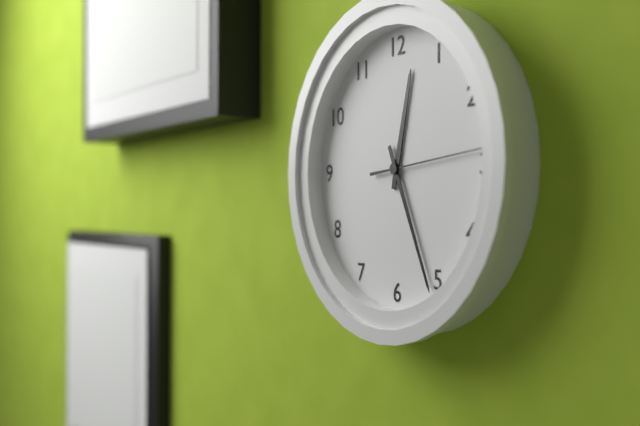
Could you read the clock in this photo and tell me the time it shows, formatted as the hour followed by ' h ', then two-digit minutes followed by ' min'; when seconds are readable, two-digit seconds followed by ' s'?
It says 12 h 26 min 14 s
